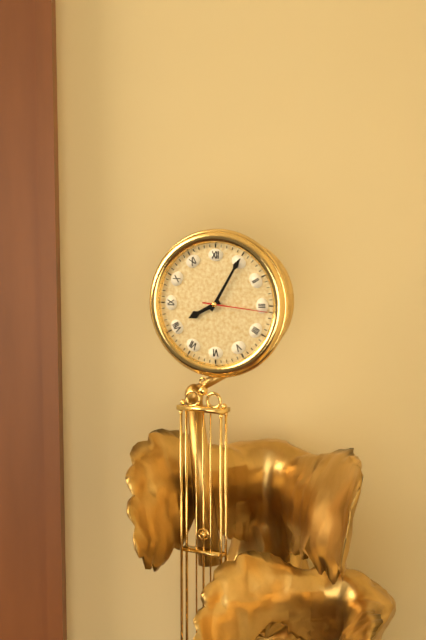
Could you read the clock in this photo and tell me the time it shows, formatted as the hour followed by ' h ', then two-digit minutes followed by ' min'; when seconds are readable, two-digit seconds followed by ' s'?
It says 8 h 05 min 16 s
